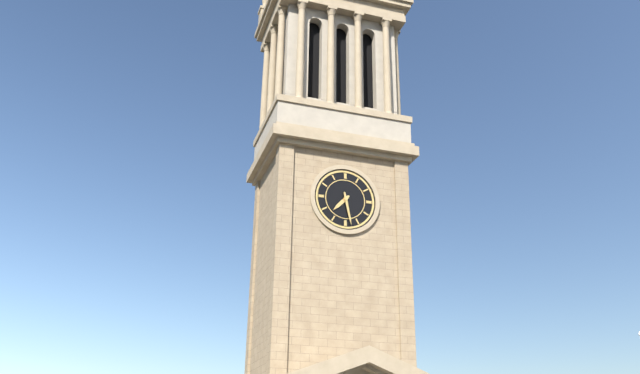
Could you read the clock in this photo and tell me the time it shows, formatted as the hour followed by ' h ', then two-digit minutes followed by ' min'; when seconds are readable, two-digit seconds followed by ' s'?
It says 7 h 28 min
